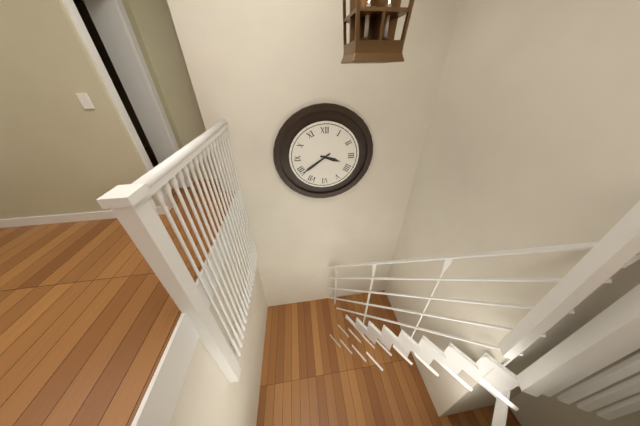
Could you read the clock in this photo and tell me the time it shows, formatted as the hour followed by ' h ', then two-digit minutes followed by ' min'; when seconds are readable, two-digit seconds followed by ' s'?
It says 3 h 39 min
